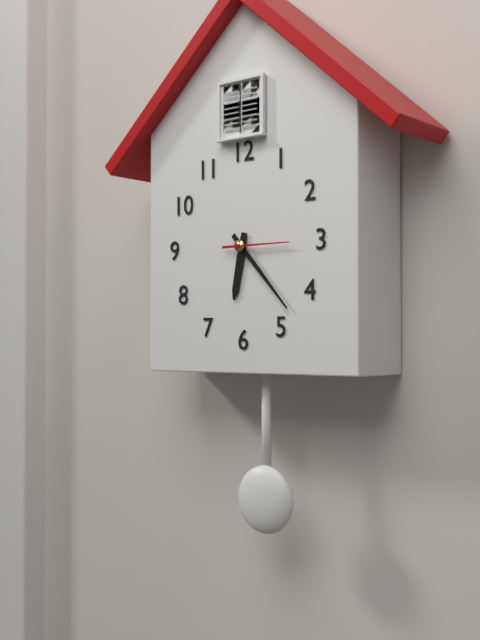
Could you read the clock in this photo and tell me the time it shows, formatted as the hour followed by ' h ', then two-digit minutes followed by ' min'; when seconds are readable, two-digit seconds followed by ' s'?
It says 6 h 23 min 15 s
